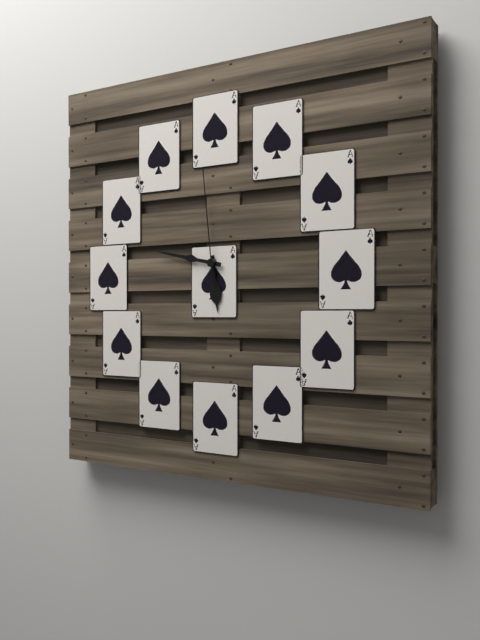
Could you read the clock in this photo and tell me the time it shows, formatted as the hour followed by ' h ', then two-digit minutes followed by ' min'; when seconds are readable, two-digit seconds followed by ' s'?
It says 5 h 47 min 59 s
